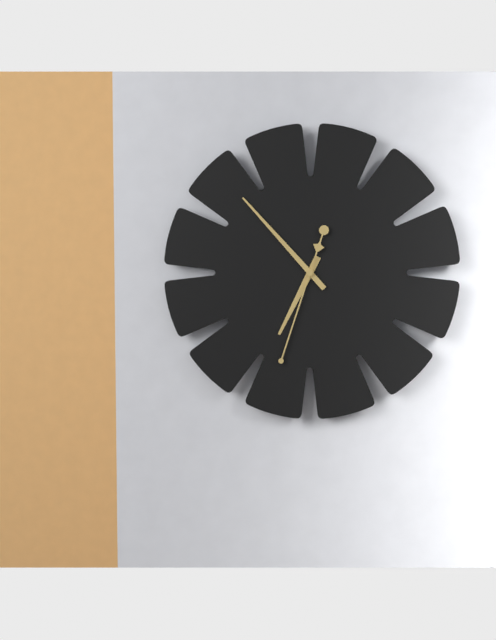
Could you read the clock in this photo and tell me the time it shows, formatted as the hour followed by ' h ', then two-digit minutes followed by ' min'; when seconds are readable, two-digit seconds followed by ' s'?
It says 6 h 53 min 33 s
